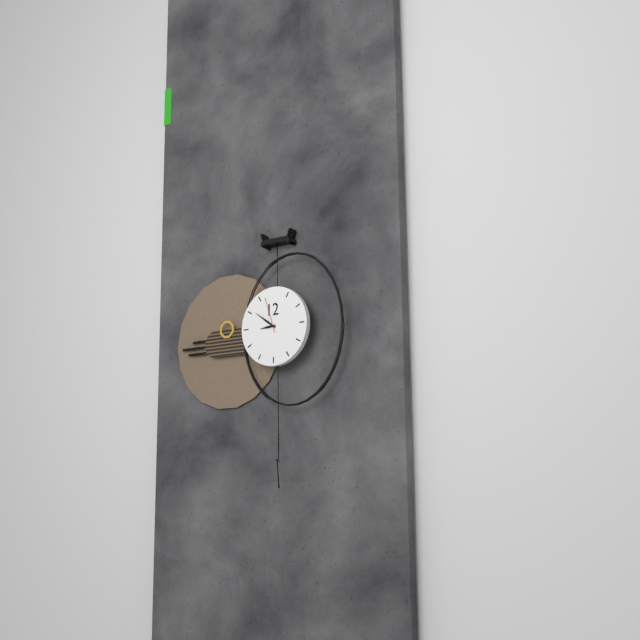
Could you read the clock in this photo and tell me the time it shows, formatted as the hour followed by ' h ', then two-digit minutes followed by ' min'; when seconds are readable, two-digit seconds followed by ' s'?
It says 8 h 51 min
